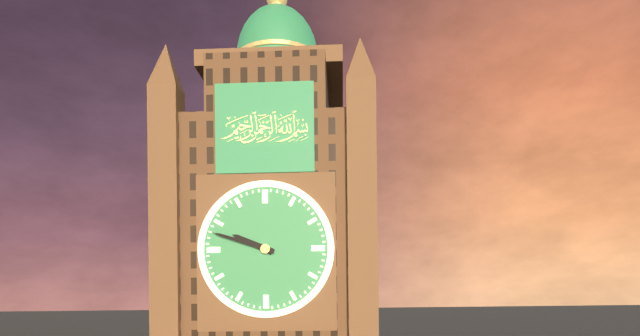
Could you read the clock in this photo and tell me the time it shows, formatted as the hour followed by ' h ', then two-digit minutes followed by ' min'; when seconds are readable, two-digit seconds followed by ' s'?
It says 9 h 48 min
